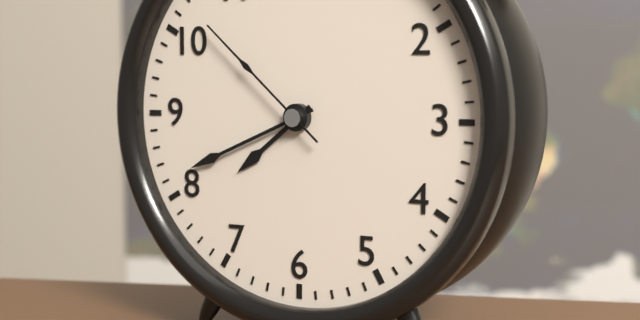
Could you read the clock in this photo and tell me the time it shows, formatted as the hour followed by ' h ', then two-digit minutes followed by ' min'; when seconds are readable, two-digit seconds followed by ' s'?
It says 7 h 41 min 52 s
